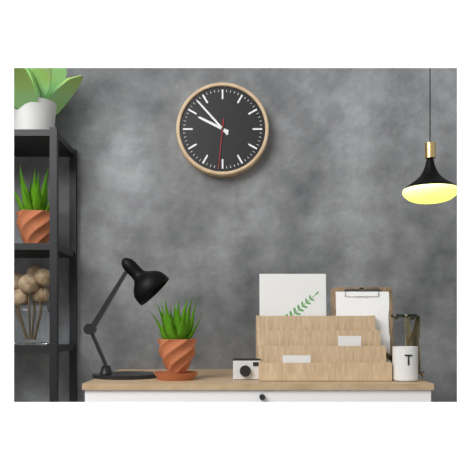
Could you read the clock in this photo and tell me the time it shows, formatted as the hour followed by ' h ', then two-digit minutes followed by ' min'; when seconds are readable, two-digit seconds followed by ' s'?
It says 9 h 53 min
